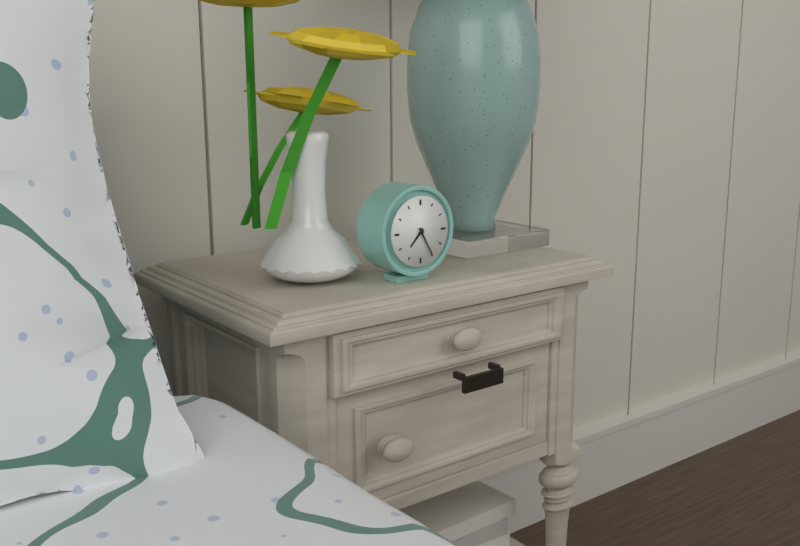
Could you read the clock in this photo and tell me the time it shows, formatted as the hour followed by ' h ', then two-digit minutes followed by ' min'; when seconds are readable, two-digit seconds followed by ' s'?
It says 7 h 25 min
